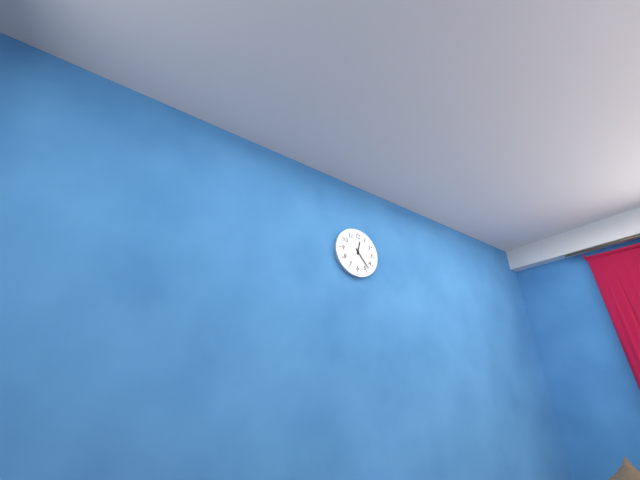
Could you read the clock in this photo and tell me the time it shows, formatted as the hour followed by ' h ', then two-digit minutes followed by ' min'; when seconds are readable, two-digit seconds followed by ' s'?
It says 12 h 23 min
